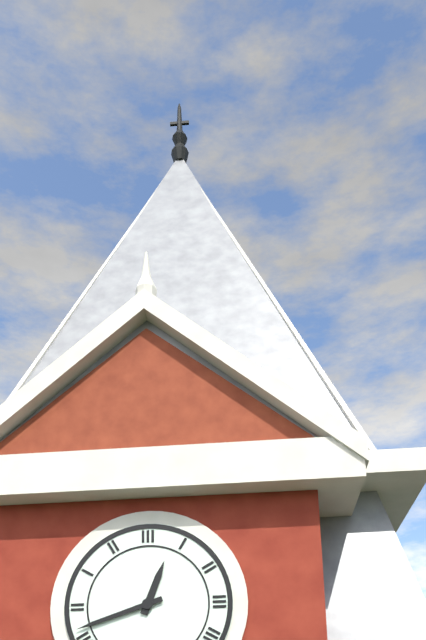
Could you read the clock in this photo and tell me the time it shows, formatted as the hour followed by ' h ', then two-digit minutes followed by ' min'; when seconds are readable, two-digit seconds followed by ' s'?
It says 12 h 42 min
